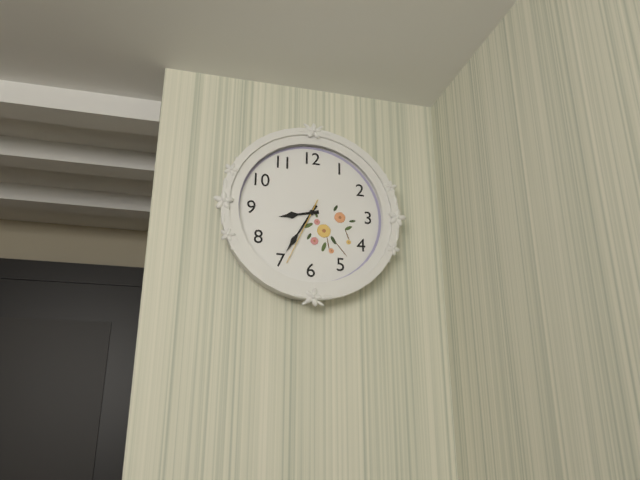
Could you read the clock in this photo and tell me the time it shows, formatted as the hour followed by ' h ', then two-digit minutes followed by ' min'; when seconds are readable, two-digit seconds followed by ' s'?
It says 8 h 35 min 34 s
